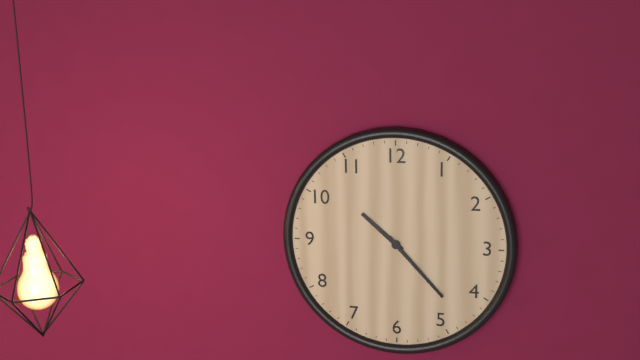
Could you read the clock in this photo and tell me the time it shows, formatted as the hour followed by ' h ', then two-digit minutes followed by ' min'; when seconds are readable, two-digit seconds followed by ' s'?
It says 10 h 23 min
